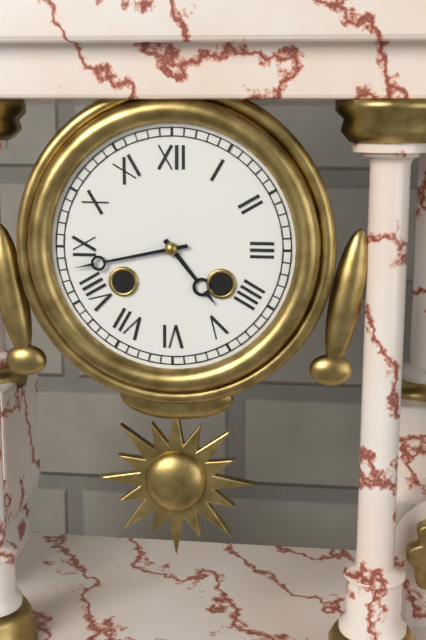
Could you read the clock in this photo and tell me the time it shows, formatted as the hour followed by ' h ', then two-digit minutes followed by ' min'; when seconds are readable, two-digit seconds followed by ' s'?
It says 4 h 43 min
